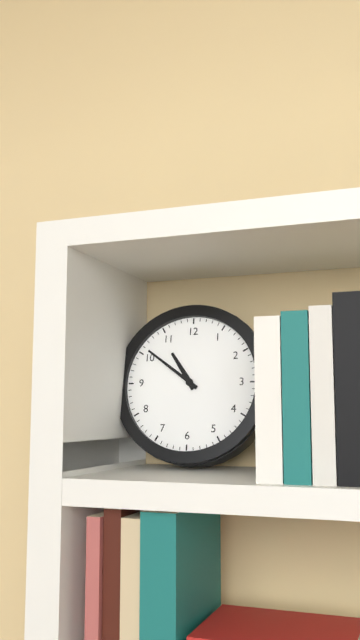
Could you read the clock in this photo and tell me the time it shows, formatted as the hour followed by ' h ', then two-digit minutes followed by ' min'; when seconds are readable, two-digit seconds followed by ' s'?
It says 10 h 51 min
